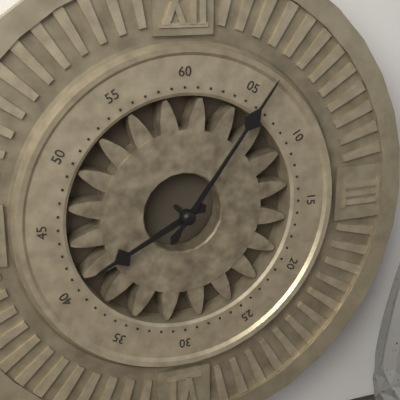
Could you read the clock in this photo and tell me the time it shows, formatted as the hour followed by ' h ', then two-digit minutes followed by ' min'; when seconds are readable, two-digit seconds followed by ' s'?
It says 8 h 06 min
